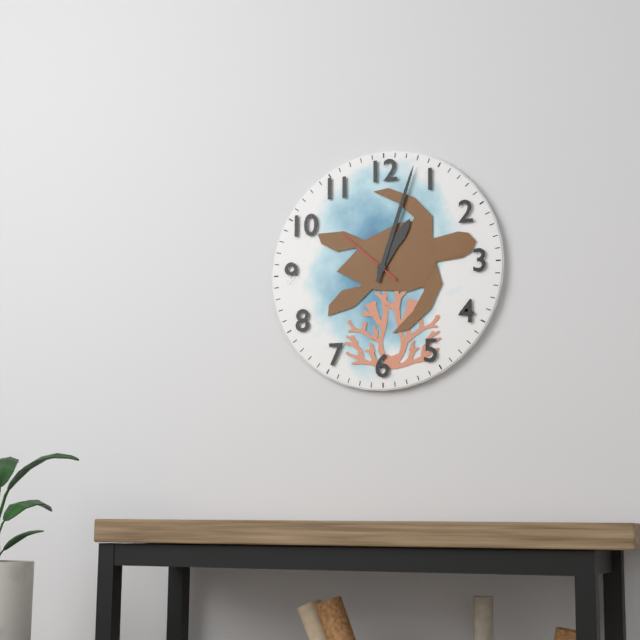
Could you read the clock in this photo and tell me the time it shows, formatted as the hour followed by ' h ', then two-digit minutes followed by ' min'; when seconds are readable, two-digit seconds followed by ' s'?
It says 1 h 03 min 52 s
